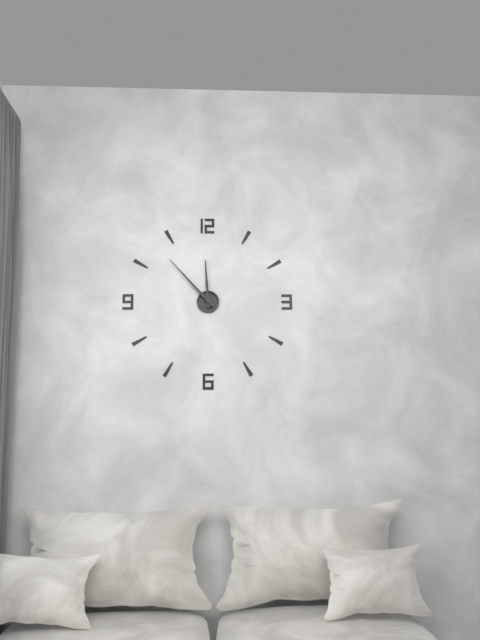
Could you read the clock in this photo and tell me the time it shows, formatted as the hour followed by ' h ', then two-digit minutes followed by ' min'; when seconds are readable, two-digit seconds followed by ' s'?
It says 11 h 53 min
